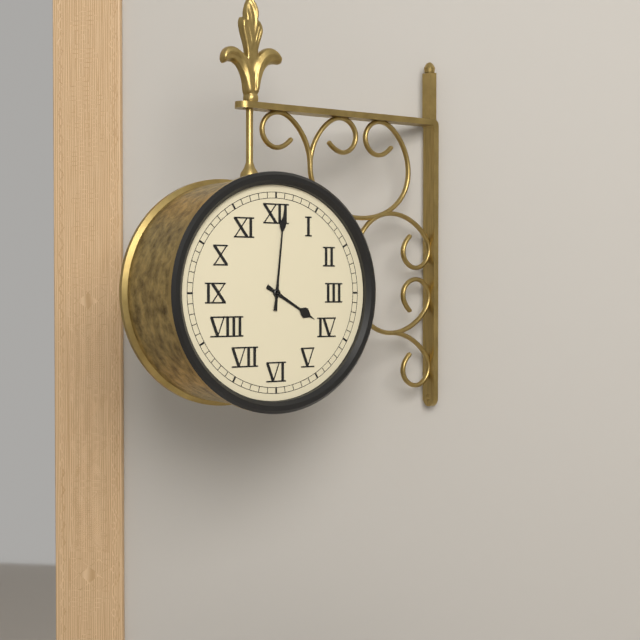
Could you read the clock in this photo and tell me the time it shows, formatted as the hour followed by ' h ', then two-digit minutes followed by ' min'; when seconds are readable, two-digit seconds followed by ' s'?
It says 4 h 01 min
